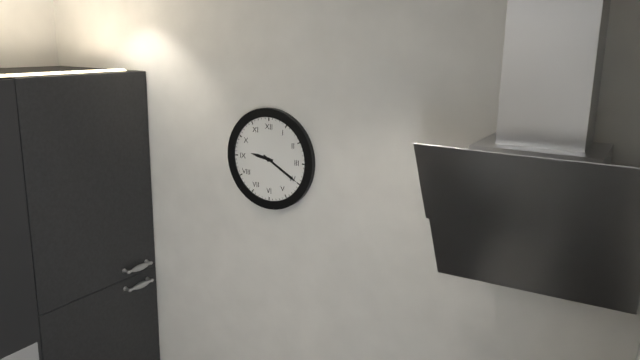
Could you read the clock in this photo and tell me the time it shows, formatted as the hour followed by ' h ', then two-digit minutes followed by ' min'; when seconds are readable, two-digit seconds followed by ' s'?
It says 9 h 20 min
